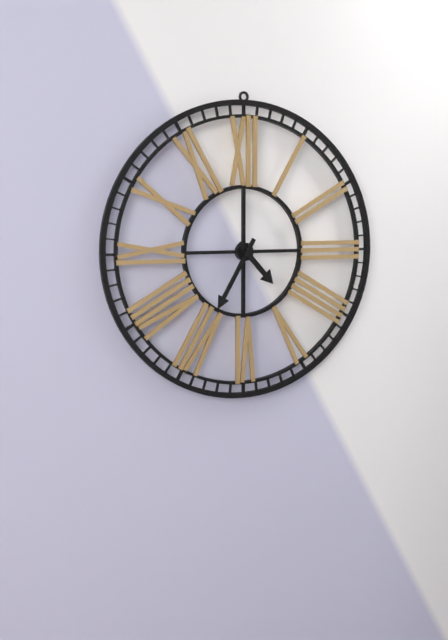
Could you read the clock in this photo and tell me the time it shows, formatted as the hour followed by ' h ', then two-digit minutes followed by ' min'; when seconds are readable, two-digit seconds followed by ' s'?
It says 4 h 35 min
